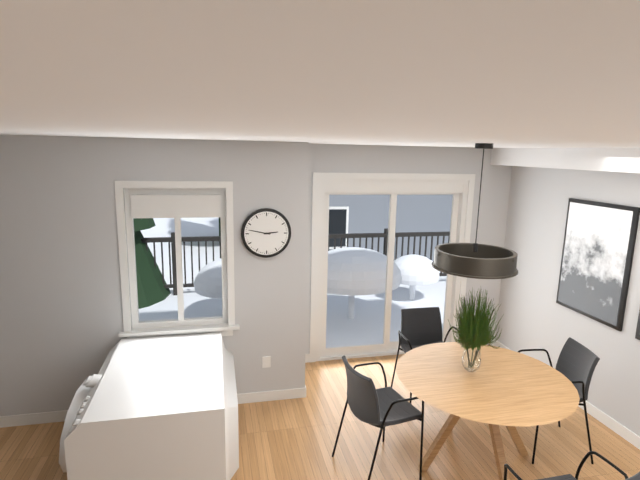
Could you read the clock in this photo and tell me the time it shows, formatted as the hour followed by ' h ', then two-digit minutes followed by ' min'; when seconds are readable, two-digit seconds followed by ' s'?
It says 2 h 47 min
